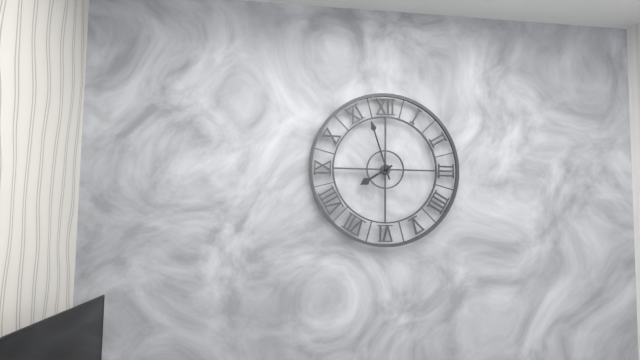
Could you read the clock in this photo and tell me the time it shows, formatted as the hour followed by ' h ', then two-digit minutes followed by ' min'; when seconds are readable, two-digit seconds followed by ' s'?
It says 7 h 57 min
